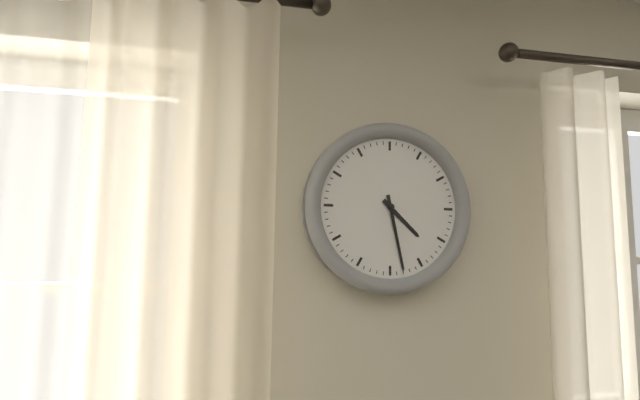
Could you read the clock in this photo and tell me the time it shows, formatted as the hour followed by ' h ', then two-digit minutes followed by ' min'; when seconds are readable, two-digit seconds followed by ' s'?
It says 4 h 28 min
